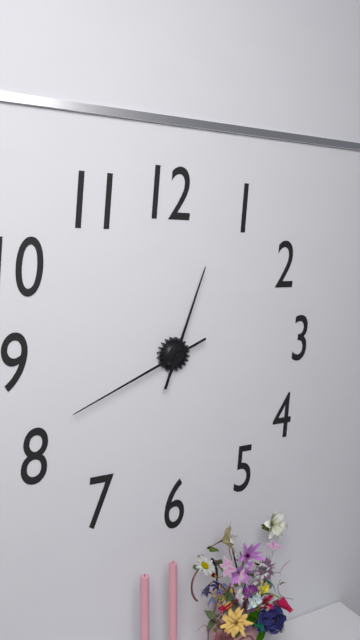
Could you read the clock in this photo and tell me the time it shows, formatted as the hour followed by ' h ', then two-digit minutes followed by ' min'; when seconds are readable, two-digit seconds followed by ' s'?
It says 12 h 41 min
